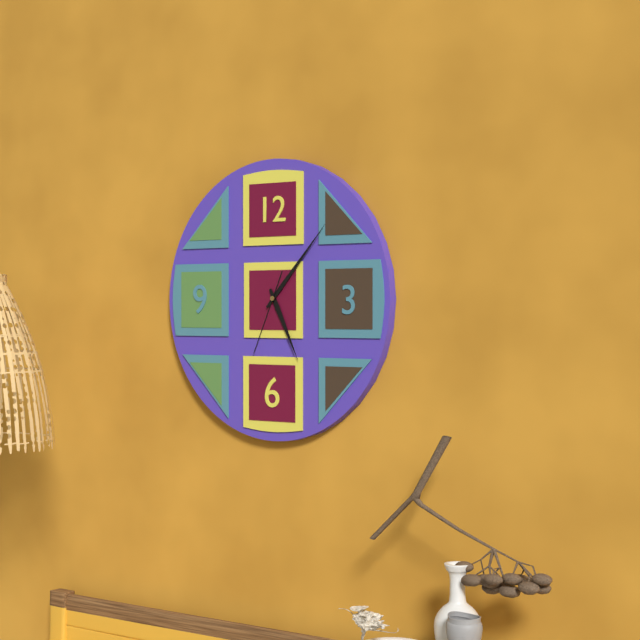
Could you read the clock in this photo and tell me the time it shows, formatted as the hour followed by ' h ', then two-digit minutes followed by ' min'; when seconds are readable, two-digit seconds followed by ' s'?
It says 5 h 07 min 34 s
